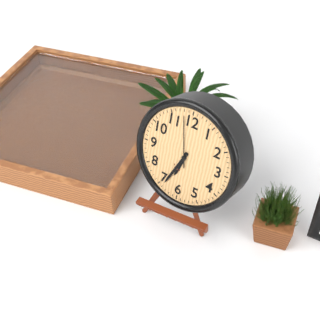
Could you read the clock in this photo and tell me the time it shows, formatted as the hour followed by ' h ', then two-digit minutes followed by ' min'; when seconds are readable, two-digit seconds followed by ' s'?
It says 6 h 34 min 58 s
